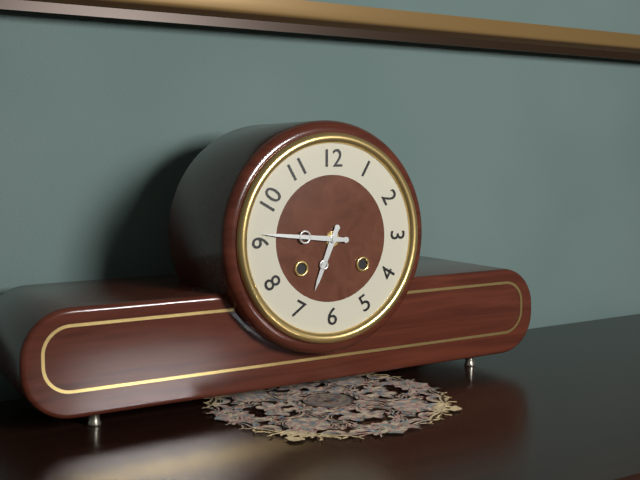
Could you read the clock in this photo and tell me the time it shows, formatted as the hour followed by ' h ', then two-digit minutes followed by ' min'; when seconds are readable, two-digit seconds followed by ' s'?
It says 6 h 46 min
